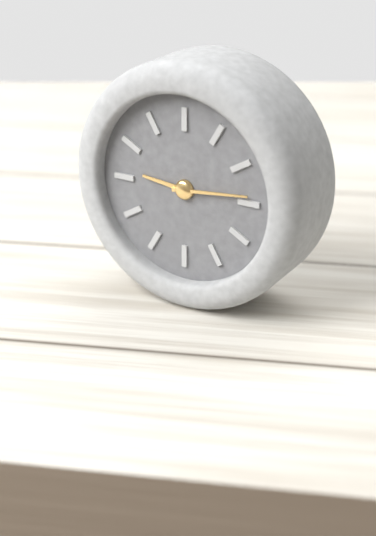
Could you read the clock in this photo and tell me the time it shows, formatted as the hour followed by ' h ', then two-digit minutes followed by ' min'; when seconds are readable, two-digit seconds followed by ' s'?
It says 9 h 14 min
